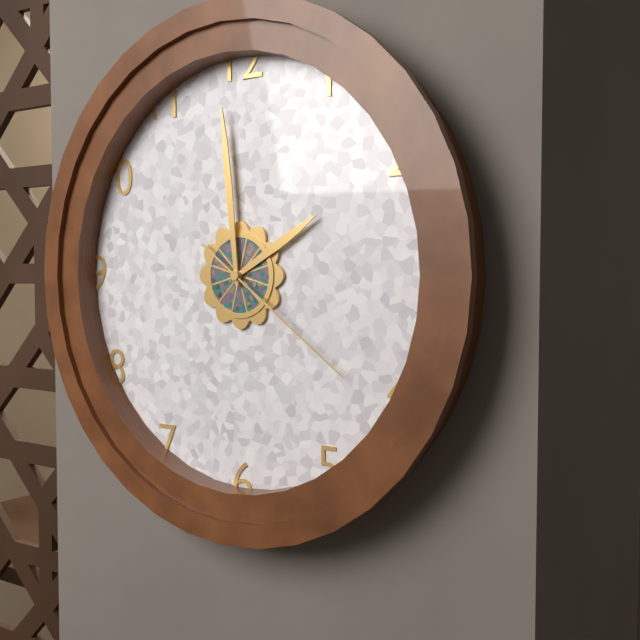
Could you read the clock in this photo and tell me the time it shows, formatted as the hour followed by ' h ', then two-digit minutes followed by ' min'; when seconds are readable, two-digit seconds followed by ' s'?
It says 1 h 59 min 21 s
